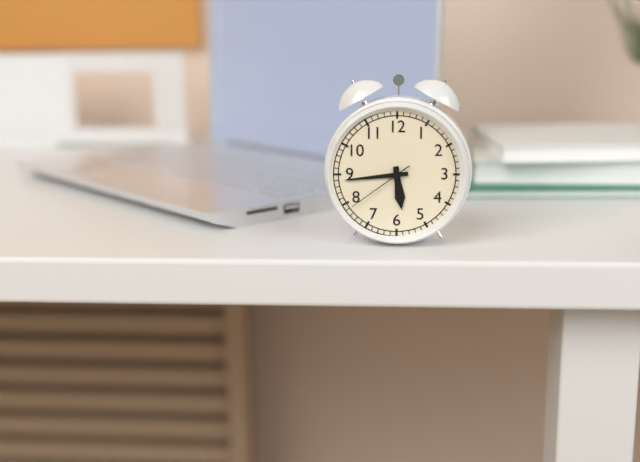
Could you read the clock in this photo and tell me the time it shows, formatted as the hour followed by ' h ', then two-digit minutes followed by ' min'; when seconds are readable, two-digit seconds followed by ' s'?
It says 5 h 44 min 39 s
